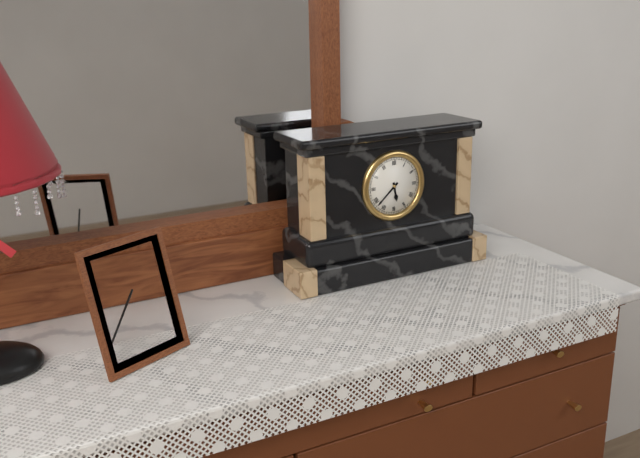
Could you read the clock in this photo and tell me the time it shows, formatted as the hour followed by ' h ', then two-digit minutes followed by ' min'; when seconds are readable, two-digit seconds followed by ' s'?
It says 5 h 38 min
